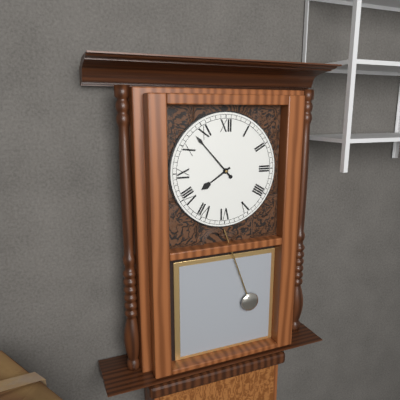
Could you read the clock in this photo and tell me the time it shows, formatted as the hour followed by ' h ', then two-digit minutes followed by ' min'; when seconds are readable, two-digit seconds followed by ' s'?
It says 7 h 53 min
